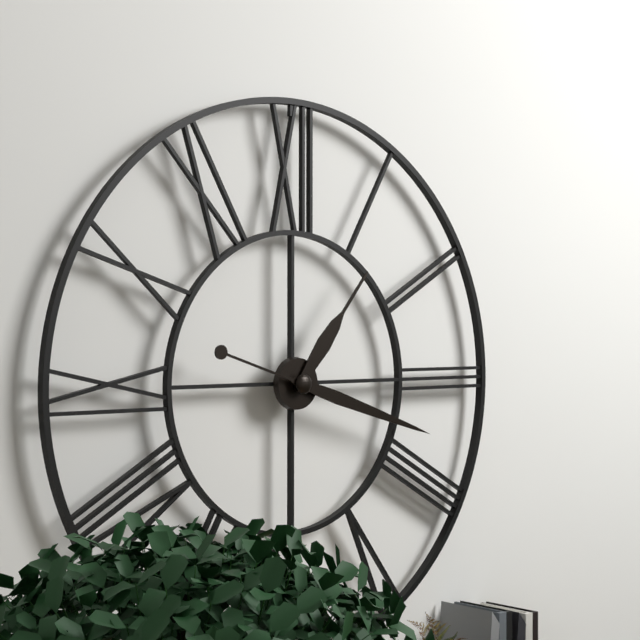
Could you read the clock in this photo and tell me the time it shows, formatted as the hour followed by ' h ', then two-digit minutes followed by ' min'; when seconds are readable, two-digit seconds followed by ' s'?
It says 1 h 18 min
